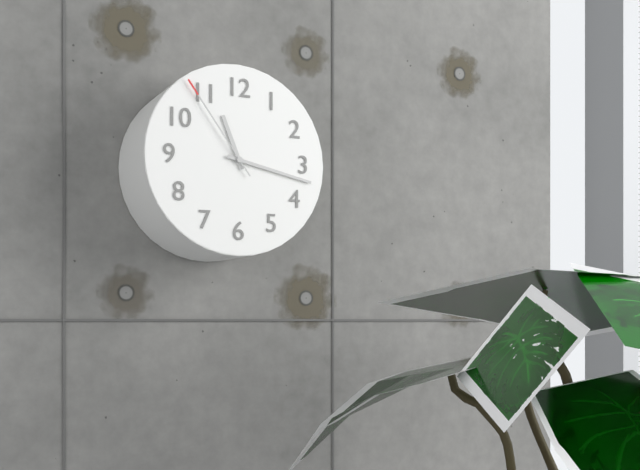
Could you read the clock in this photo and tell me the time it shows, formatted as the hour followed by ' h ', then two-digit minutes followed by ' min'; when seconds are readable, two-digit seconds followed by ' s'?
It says 11 h 17 min 54 s
